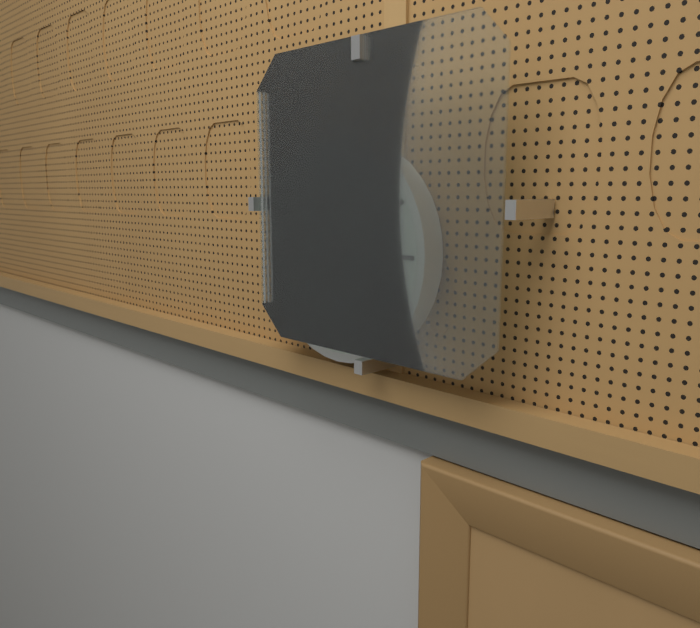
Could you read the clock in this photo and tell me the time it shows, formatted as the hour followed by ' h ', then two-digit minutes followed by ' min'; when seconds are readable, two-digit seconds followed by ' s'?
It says 10 h 19 min
